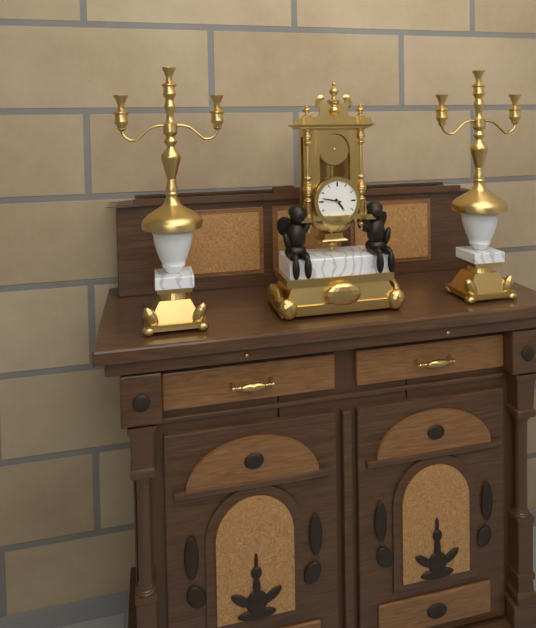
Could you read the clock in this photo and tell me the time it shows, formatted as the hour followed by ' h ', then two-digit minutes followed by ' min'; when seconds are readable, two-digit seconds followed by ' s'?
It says 4 h 47 min
